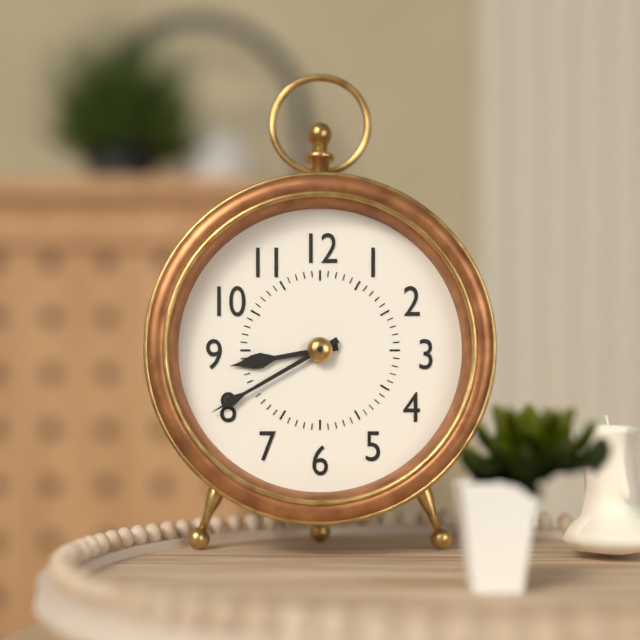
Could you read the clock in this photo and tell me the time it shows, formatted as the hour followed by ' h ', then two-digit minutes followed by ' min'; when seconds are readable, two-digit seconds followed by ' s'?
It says 8 h 40 min
